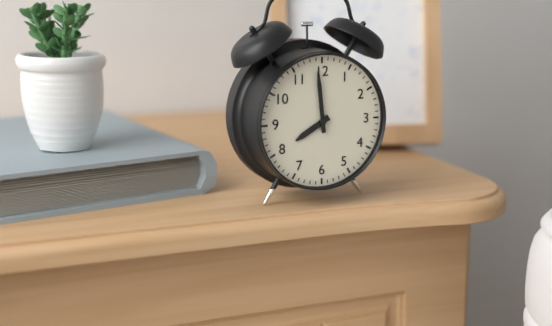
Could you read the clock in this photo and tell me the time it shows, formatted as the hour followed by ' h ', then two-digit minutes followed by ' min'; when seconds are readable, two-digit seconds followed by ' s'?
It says 7 h 59 min
